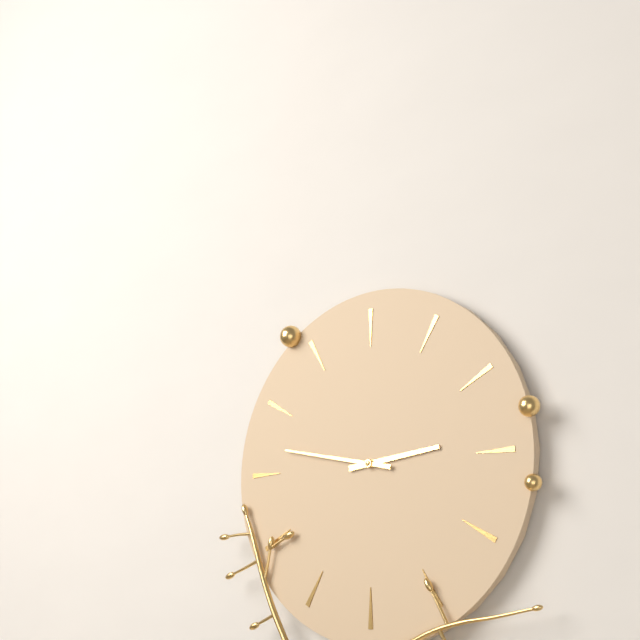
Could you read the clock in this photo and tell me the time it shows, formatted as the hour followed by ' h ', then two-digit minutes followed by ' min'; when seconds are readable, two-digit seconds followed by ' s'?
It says 2 h 47 min
